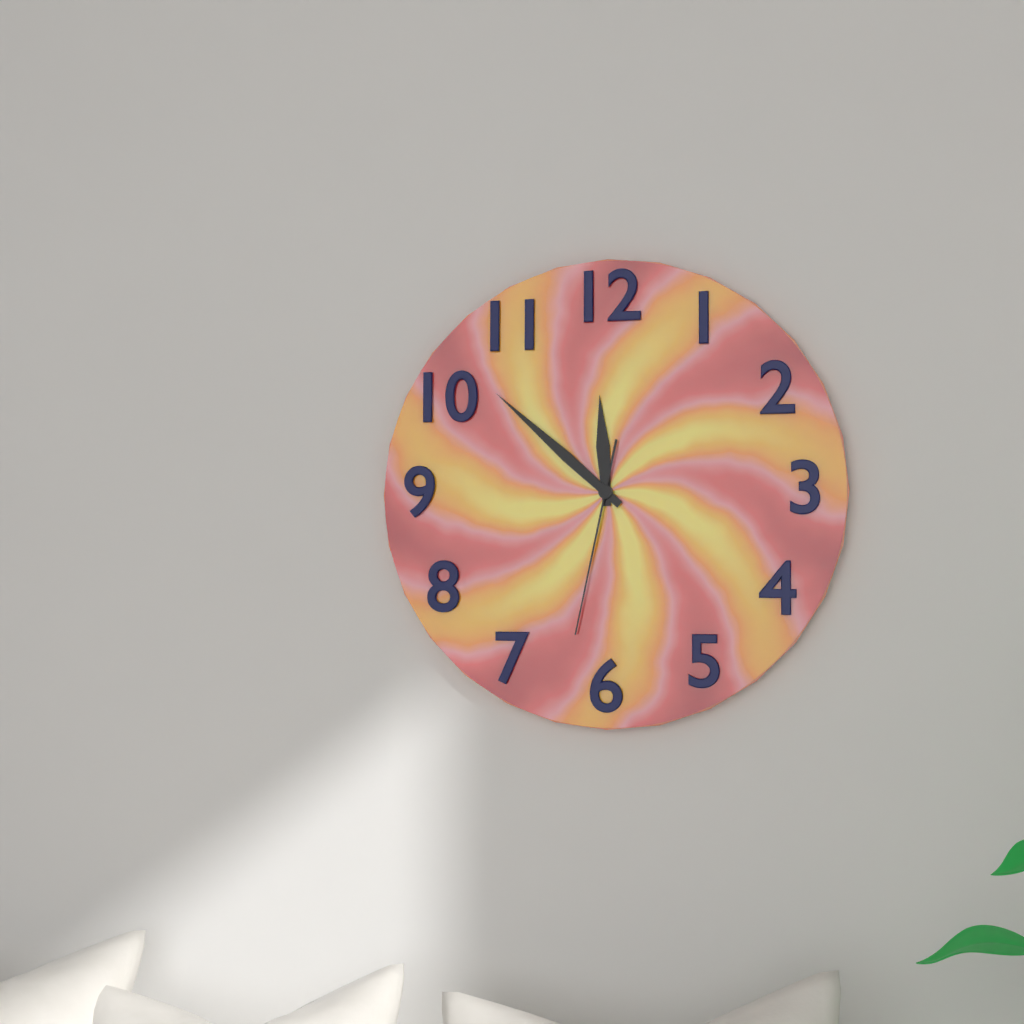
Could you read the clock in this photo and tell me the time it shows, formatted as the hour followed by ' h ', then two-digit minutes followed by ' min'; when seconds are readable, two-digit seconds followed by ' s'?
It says 11 h 52 min 32 s
